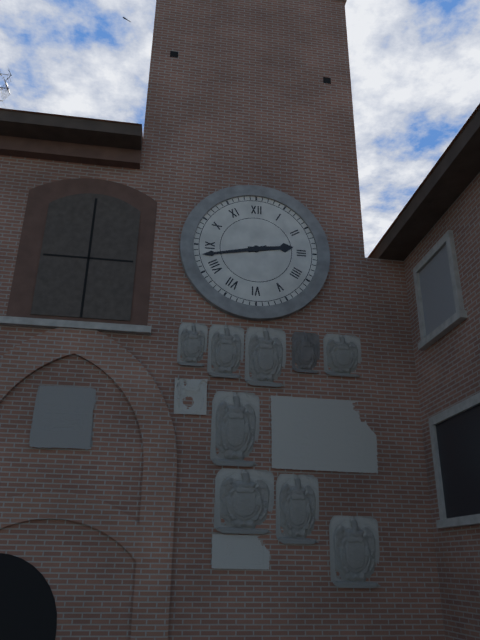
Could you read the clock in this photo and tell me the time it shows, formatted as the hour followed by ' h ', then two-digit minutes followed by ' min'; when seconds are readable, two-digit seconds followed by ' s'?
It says 2 h 43 min
